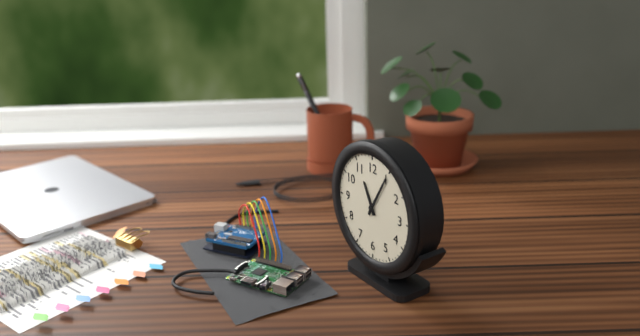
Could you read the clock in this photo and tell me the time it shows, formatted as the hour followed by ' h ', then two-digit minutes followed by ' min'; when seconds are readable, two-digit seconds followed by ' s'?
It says 11 h 05 min
